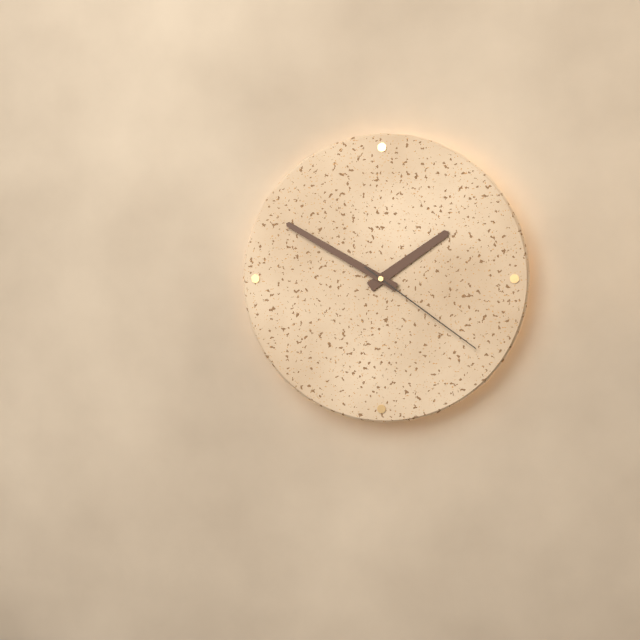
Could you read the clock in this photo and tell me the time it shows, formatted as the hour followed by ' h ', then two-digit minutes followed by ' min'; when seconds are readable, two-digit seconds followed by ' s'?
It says 1 h 50 min 21 s
